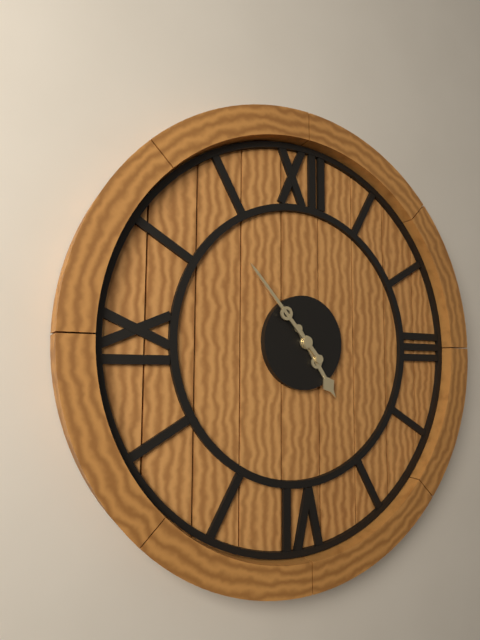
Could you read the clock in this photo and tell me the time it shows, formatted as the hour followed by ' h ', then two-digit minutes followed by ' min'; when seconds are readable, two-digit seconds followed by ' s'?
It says 4 h 53 min
